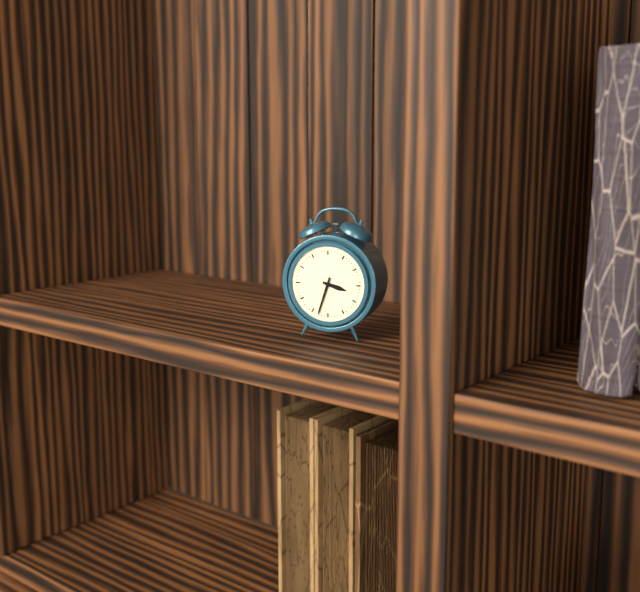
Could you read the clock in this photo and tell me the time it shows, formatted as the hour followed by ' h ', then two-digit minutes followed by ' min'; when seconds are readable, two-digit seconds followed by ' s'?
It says 3 h 33 min
